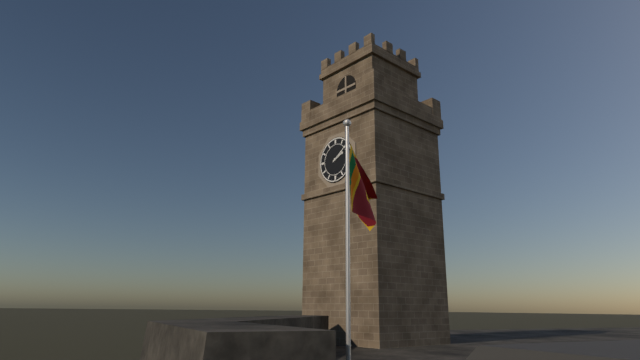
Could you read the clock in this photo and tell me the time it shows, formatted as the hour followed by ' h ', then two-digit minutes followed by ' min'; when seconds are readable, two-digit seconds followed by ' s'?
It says 2 h 09 min
